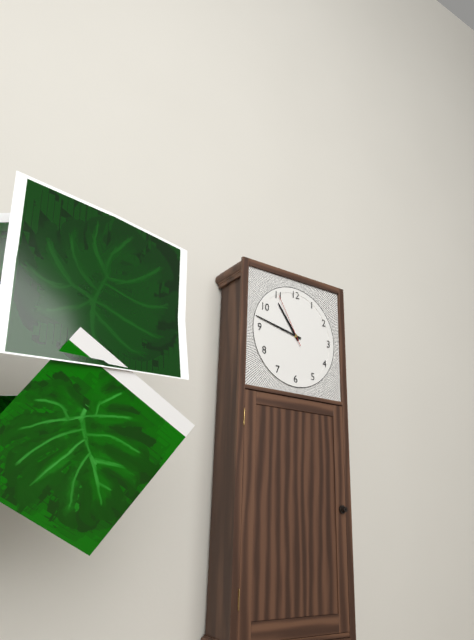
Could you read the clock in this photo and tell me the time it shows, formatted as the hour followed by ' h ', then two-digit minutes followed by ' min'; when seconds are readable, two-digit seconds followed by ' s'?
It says 10 h 47 min 55 s
